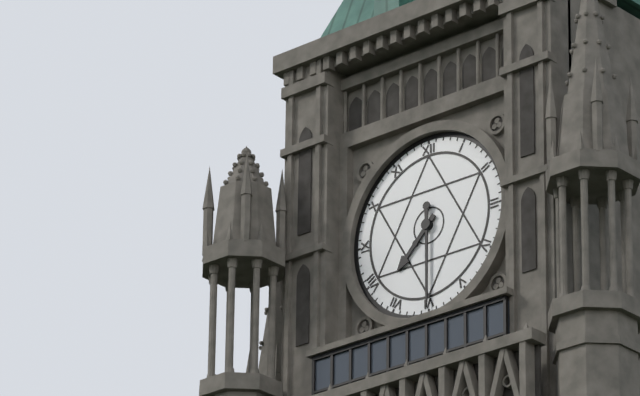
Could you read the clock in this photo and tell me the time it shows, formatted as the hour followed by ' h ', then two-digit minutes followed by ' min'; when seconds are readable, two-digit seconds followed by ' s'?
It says 7 h 30 min
